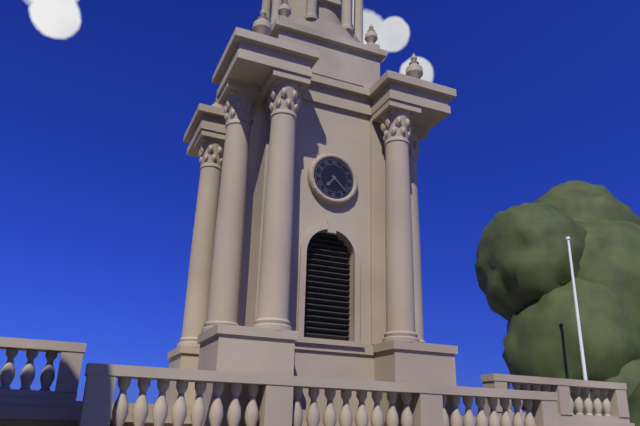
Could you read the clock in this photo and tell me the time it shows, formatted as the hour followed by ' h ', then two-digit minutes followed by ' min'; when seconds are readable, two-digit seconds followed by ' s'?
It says 7 h 22 min
